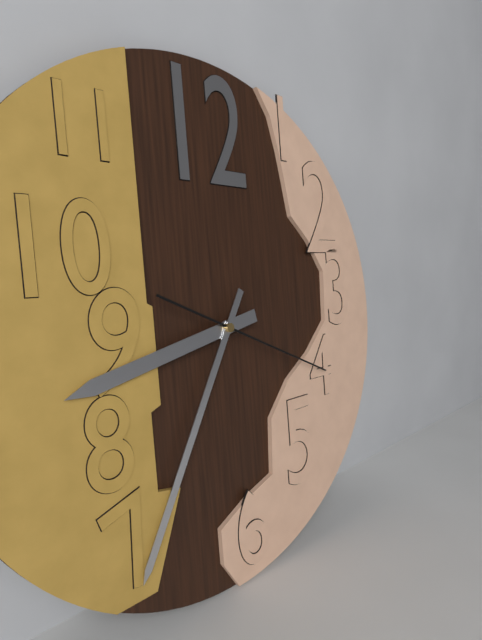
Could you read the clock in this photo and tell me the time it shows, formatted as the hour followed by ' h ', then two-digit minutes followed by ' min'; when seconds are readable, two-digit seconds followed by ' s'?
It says 8 h 35 min 19 s
